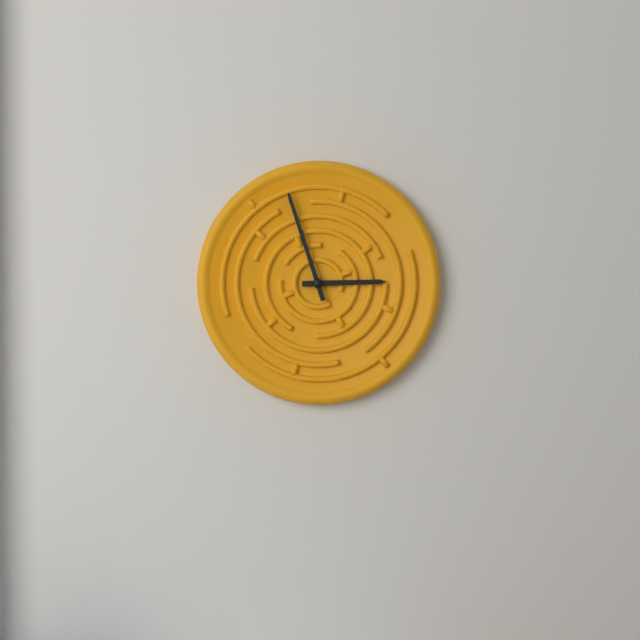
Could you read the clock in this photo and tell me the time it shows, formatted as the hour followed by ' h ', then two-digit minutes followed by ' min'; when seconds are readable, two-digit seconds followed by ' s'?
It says 2 h 57 min
